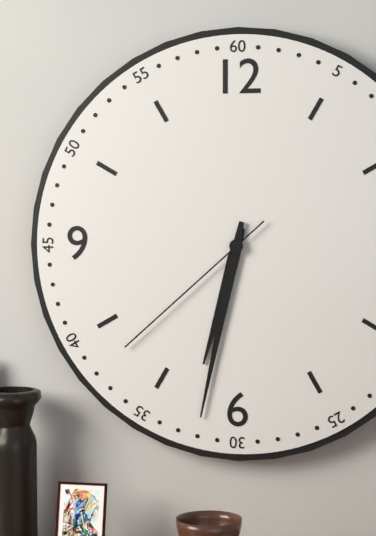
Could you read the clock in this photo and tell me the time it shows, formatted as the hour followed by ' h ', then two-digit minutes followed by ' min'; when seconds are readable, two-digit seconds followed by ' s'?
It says 6 h 32 min 38 s
